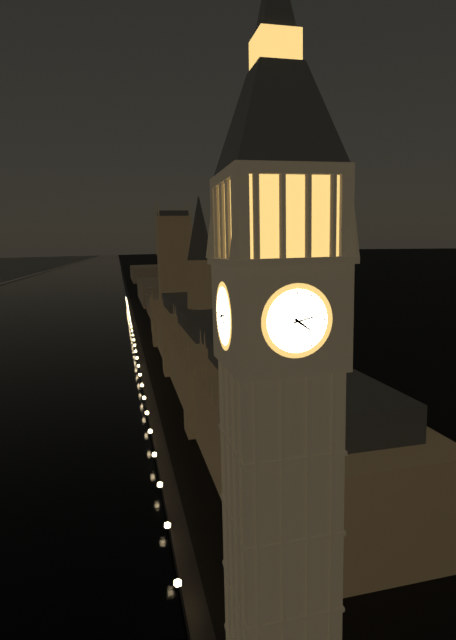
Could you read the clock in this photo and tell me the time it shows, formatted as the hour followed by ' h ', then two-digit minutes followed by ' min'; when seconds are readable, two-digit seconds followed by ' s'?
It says 4 h 13 min
